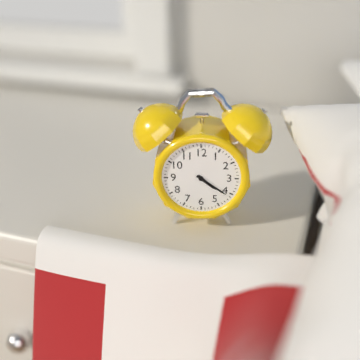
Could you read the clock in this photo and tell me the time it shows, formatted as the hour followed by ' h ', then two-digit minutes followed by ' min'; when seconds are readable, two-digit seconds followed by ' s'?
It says 4 h 21 min
